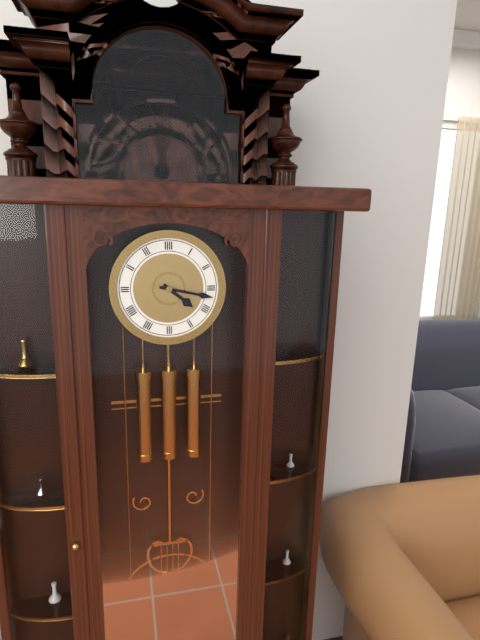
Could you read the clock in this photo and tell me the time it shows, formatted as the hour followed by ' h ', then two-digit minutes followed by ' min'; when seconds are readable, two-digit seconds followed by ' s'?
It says 4 h 17 min
